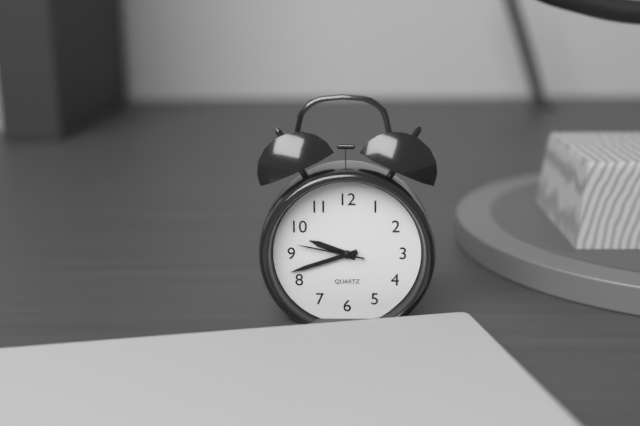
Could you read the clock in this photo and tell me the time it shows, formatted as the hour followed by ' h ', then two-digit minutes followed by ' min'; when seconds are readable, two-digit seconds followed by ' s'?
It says 9 h 42 min 47 s
